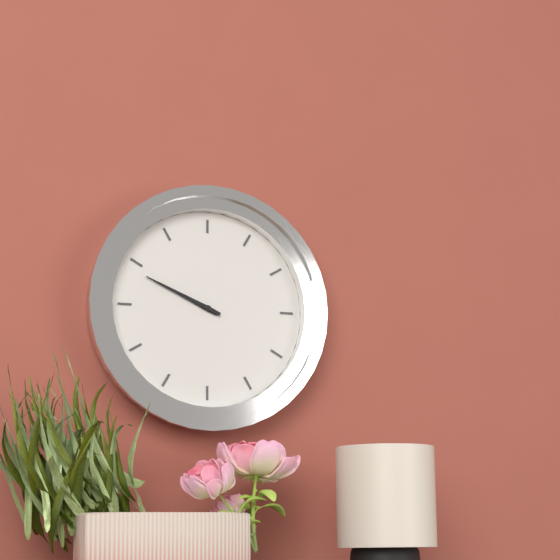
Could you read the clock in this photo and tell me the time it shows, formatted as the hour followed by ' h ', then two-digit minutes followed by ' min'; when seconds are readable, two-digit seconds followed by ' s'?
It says 9 h 49 min
